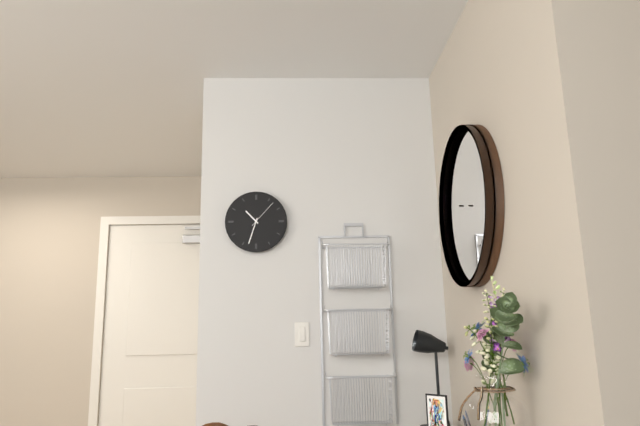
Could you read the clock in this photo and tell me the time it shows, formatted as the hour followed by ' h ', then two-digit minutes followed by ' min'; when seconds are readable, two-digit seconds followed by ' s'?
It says 10 h 33 min
